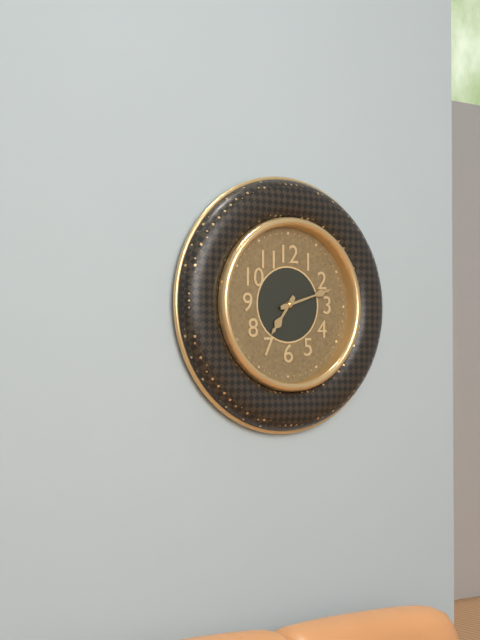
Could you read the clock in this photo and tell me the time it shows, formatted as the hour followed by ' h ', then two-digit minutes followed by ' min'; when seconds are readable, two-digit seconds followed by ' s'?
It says 7 h 12 min
